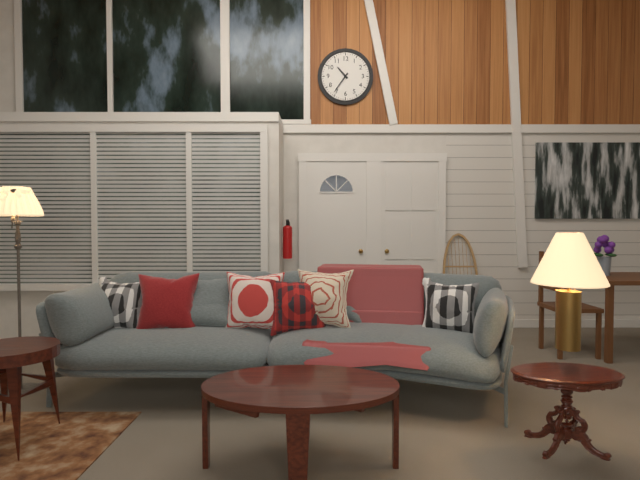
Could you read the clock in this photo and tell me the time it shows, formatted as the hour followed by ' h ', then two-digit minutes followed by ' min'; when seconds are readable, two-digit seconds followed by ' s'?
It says 10 h 36 min
